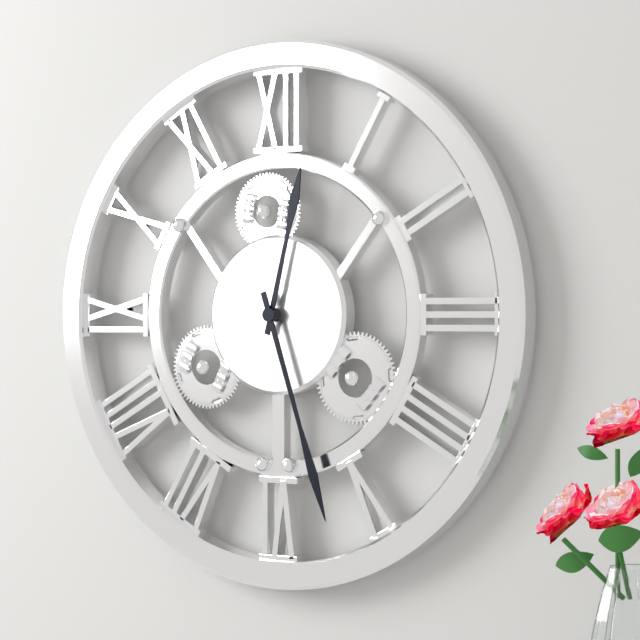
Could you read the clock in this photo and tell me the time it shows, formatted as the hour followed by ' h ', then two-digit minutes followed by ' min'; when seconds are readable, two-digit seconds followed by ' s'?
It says 12 h 27 min
